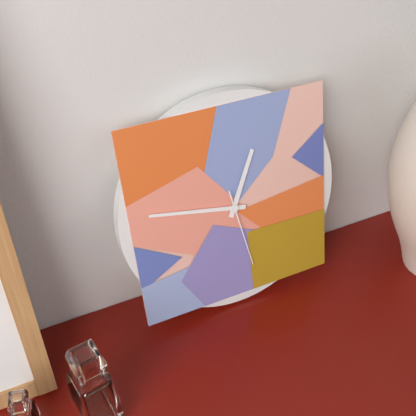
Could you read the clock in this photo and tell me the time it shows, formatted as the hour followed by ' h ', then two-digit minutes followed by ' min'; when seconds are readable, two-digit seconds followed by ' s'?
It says 12 h 47 min 28 s
